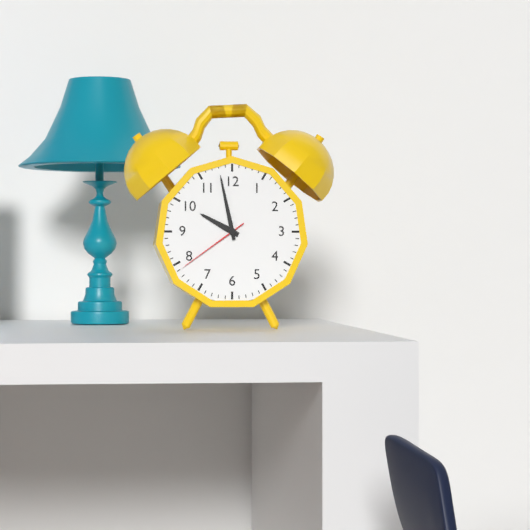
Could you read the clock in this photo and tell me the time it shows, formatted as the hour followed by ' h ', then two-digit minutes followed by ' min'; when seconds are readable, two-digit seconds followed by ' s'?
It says 9 h 58 min 39 s
